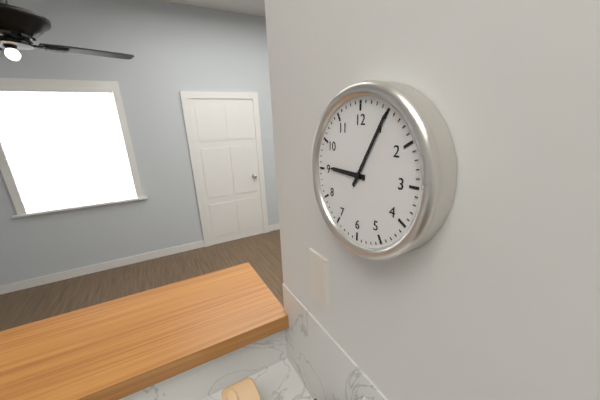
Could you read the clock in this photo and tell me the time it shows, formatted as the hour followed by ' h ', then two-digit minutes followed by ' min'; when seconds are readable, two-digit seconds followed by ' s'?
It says 9 h 05 min
